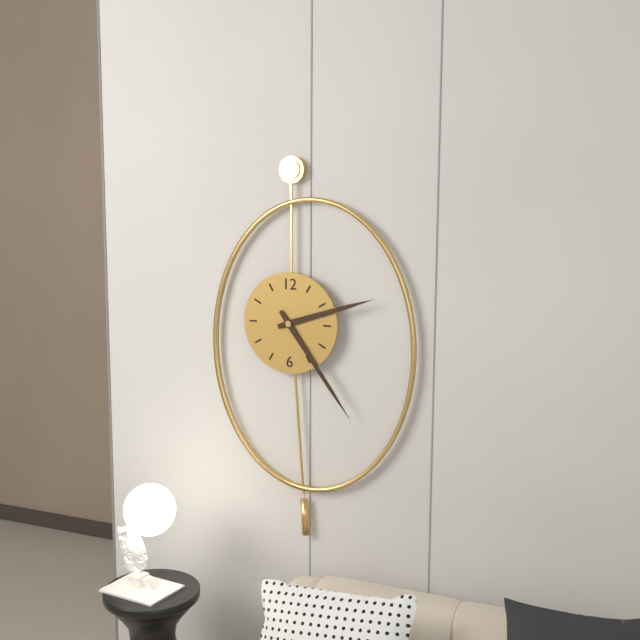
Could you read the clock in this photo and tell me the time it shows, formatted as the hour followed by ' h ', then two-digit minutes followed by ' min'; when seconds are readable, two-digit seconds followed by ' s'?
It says 2 h 24 min
